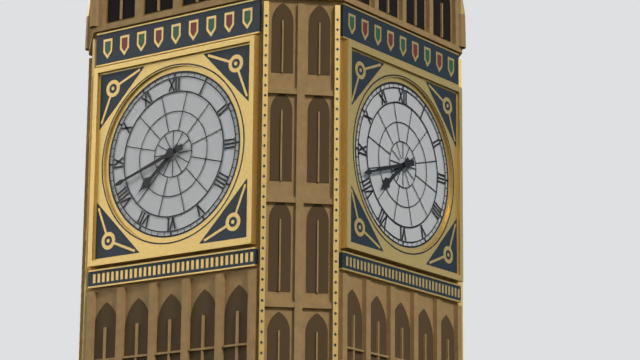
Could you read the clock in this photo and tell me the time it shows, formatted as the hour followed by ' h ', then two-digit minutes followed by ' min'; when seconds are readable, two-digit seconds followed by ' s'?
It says 7 h 42 min
